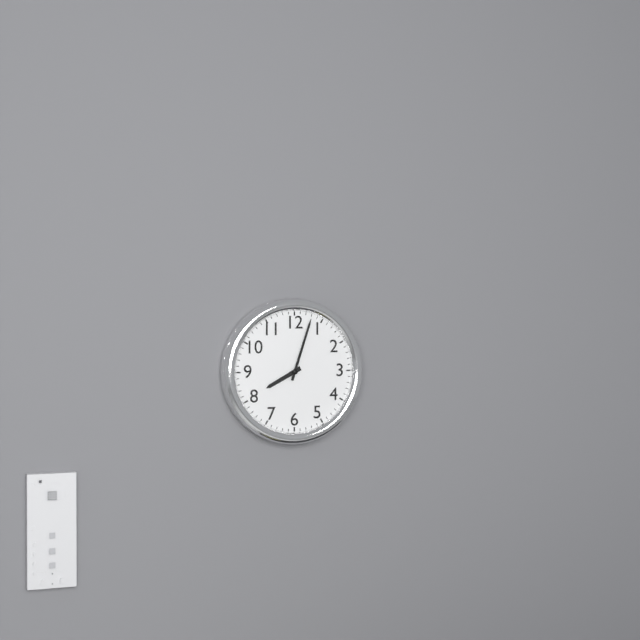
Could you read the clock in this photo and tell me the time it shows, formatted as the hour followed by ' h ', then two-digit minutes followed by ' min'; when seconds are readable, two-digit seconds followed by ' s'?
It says 8 h 03 min
